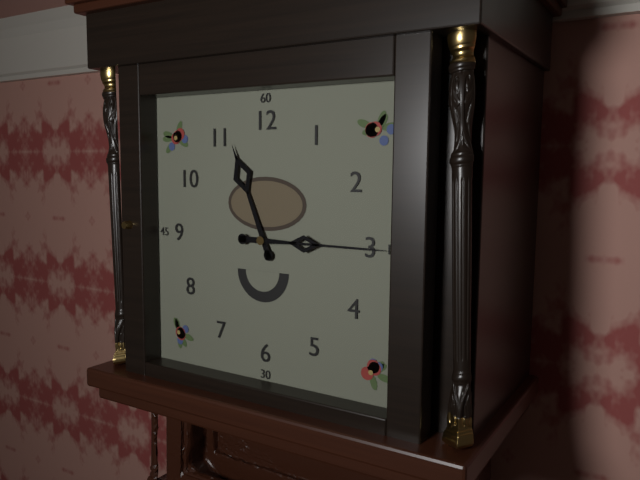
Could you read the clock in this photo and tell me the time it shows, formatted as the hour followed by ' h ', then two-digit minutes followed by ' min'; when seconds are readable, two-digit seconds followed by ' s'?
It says 11 h 15 min
